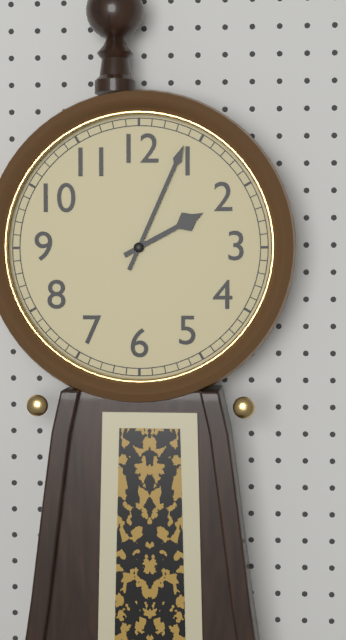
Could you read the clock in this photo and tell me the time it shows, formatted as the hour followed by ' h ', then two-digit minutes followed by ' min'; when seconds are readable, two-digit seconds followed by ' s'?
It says 2 h 04 min
